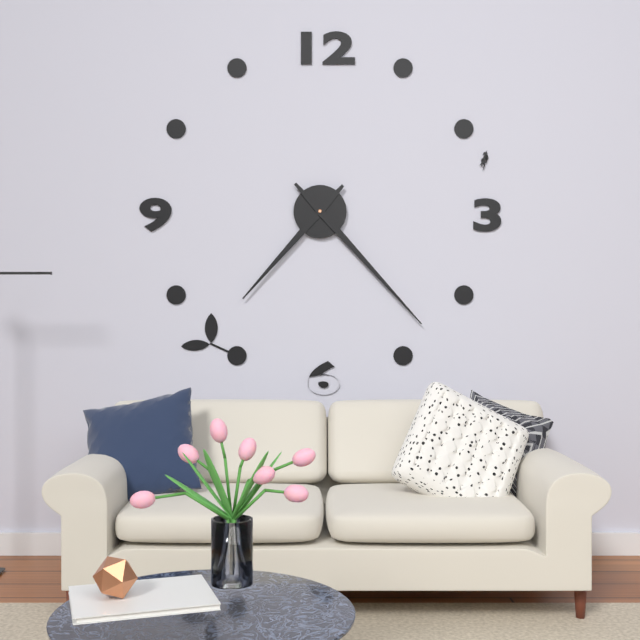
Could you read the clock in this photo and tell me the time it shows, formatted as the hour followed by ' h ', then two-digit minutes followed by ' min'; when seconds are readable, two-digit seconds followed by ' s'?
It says 7 h 23 min
